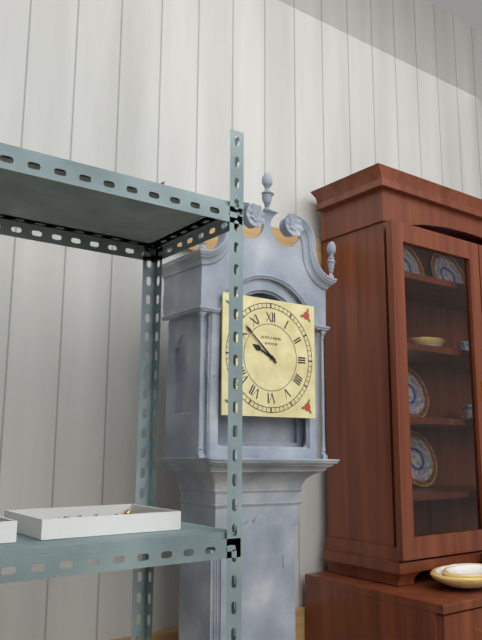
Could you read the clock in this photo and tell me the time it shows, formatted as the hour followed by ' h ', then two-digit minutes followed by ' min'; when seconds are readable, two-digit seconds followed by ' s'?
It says 9 h 52 min
